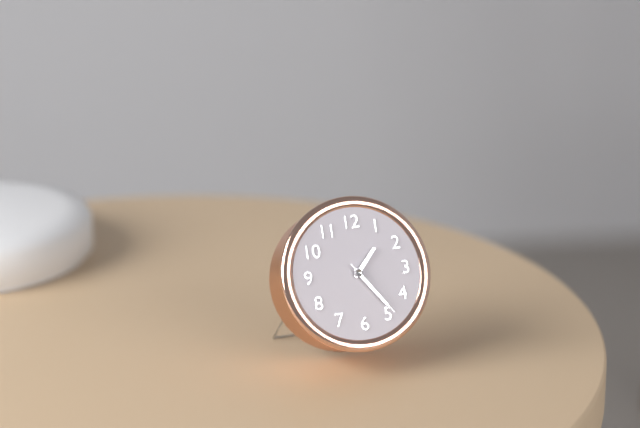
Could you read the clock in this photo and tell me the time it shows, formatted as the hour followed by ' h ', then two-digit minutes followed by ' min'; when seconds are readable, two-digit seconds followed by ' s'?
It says 1 h 24 min 24 s
